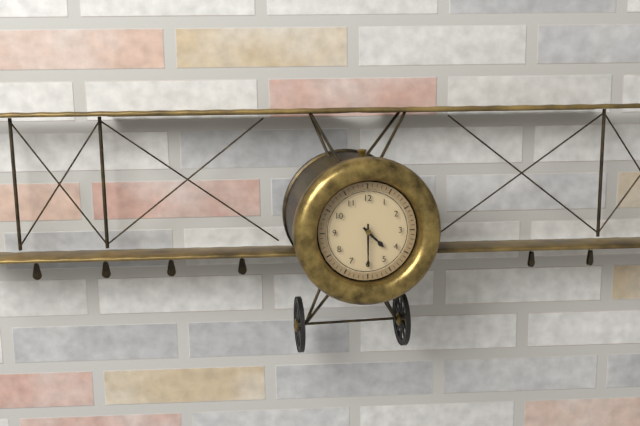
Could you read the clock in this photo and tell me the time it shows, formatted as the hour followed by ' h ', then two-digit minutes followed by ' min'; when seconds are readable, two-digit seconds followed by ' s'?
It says 4 h 30 min
